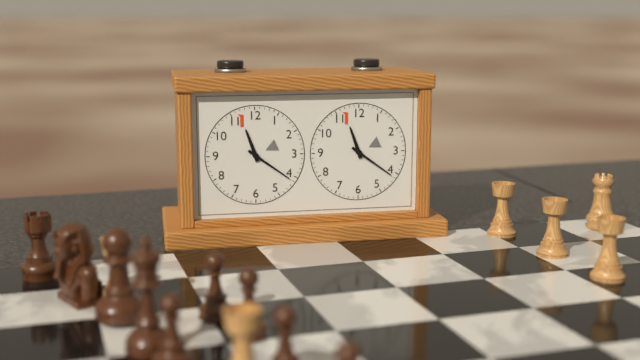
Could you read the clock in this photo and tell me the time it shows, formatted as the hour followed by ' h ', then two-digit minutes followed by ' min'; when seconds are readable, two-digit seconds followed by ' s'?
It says 11 h 21 min
